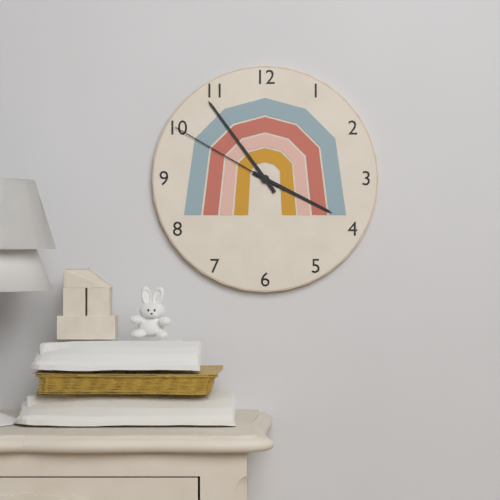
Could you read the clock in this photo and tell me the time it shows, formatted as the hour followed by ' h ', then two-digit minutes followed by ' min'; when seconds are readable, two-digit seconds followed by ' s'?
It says 3 h 54 min 50 s
